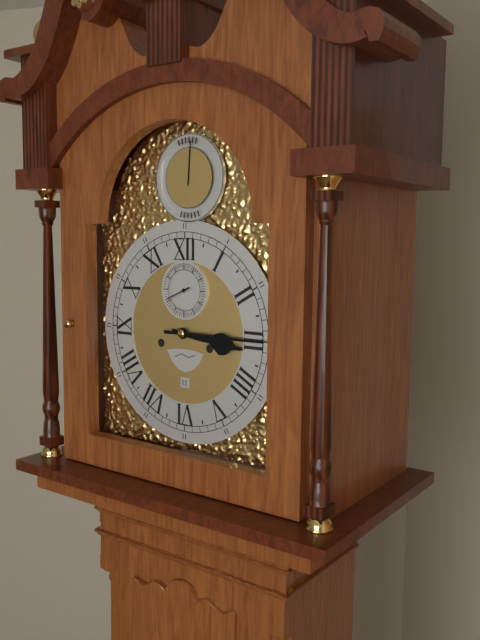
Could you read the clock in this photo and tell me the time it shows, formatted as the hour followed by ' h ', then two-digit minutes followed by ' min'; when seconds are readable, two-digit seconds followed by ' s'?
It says 3 h 15 min
